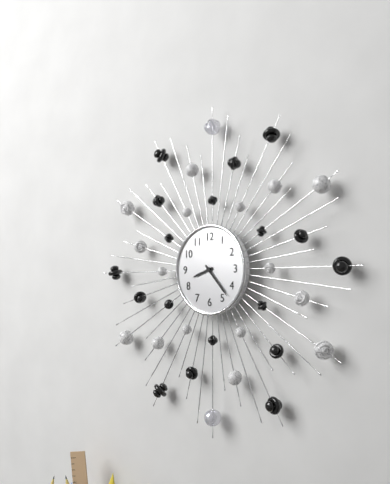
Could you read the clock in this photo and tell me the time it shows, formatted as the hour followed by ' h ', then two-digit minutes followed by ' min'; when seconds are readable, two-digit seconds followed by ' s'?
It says 8 h 23 min
